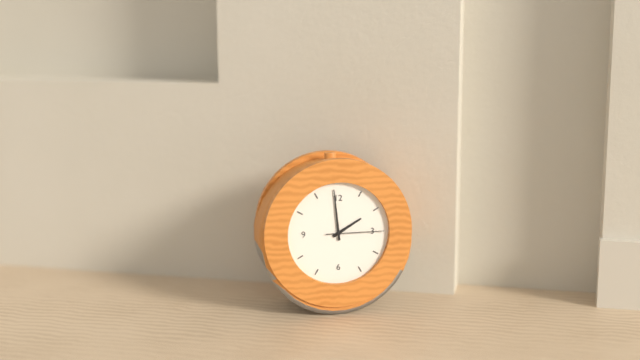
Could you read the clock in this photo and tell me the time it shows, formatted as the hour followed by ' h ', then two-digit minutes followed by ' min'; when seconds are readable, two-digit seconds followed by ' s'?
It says 1 h 59 min 15 s
